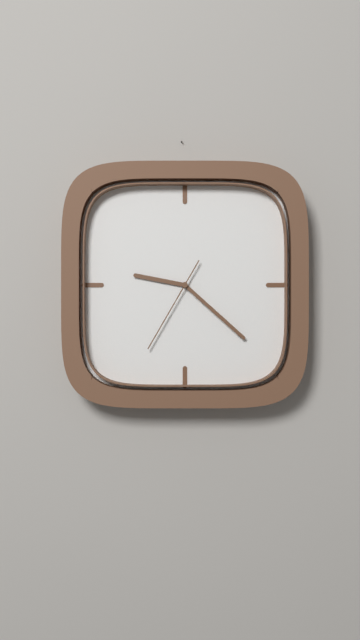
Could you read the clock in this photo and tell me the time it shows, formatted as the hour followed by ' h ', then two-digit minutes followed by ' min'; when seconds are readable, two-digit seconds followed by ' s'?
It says 9 h 22 min 35 s
